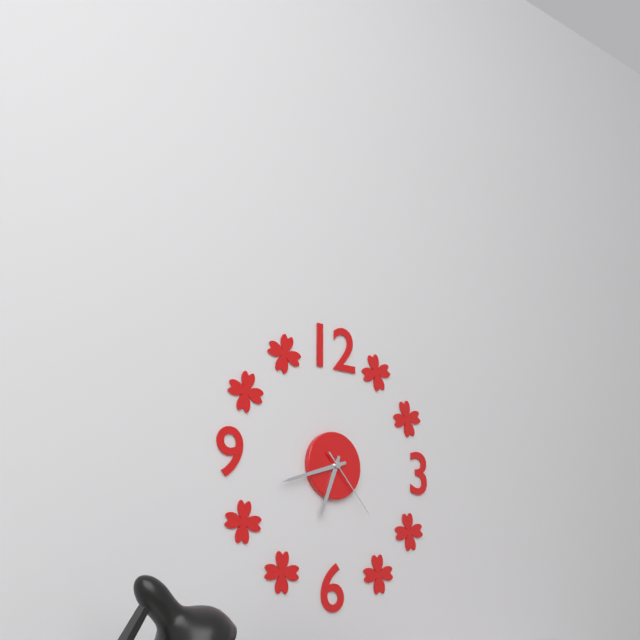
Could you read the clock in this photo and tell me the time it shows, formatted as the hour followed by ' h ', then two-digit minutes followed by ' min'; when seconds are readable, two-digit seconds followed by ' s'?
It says 6 h 42 min 23 s
